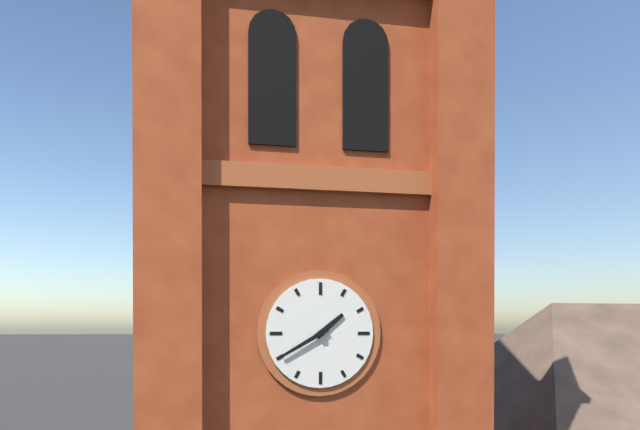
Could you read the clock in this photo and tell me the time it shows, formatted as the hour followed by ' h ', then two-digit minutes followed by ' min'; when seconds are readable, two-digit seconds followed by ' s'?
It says 1 h 40 min
